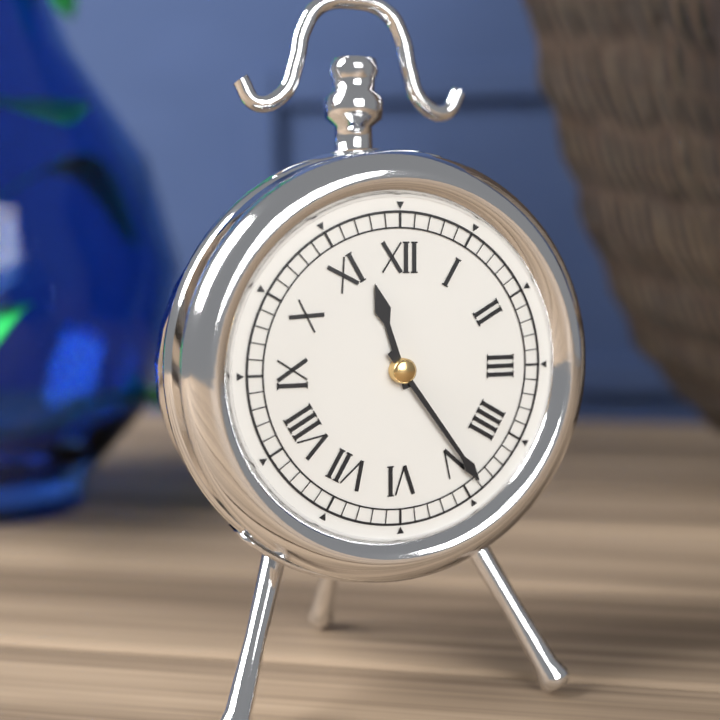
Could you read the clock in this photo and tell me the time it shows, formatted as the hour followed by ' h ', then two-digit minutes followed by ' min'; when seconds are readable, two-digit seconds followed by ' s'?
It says 11 h 24 min
